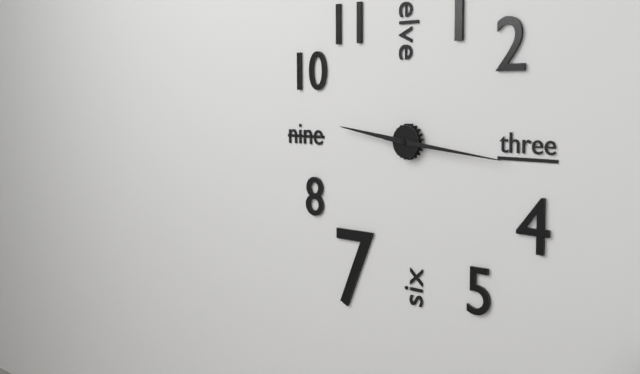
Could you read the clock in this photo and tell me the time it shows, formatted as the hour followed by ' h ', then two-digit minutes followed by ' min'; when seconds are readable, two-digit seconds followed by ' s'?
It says 9 h 16 min
